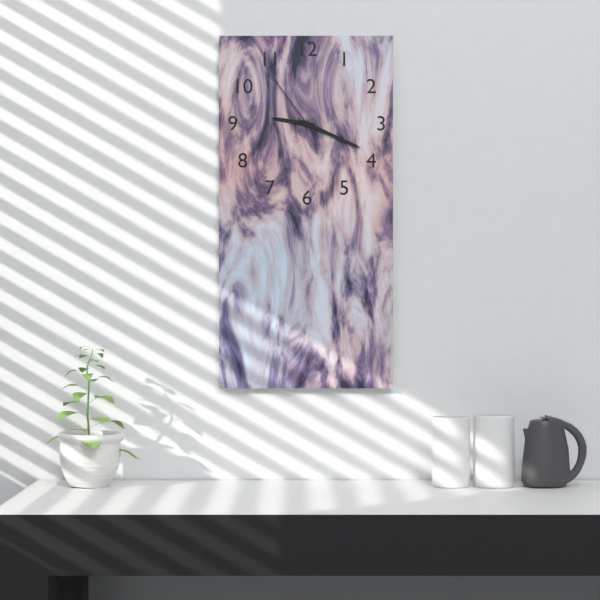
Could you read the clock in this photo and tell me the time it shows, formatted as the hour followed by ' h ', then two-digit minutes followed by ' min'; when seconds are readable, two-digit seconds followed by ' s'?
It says 9 h 19 min 54 s
